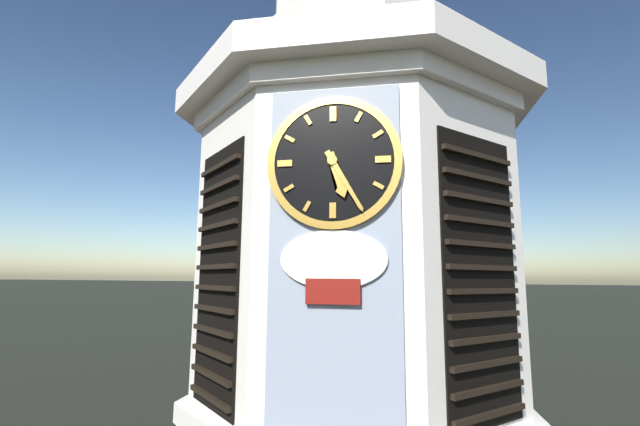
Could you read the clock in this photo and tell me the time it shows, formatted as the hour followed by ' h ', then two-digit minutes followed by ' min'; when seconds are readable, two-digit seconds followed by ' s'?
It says 5 h 25 min
